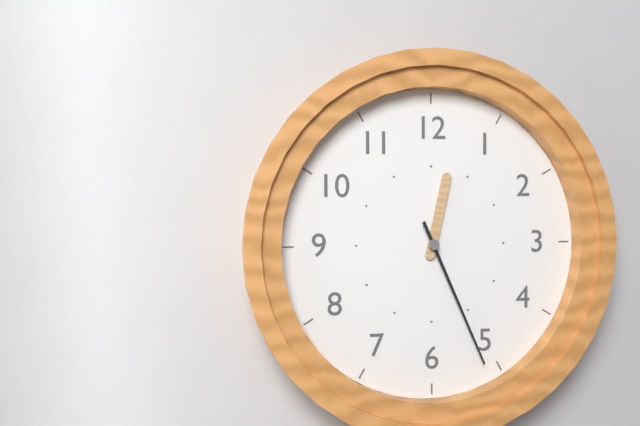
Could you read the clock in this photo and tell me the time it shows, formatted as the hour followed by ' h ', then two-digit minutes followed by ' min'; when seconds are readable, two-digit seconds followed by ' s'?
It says 12 h 26 min
